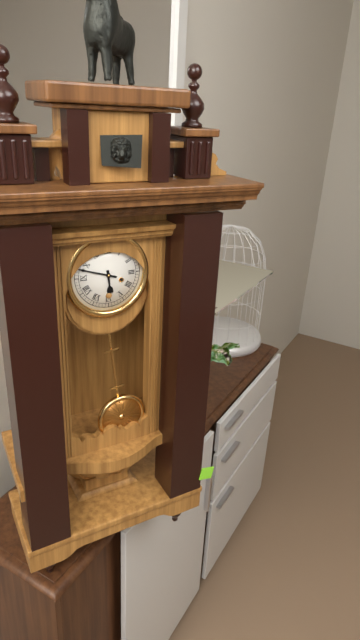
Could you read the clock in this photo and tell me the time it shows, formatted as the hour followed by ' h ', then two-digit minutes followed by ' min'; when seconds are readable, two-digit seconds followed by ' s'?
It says 5 h 48 min
